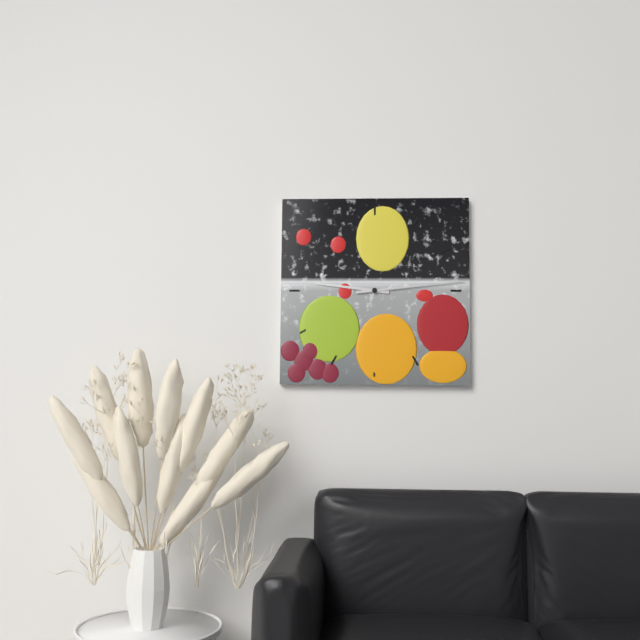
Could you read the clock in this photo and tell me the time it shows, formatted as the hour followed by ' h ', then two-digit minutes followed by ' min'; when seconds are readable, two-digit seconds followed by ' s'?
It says 9 h 14 min
